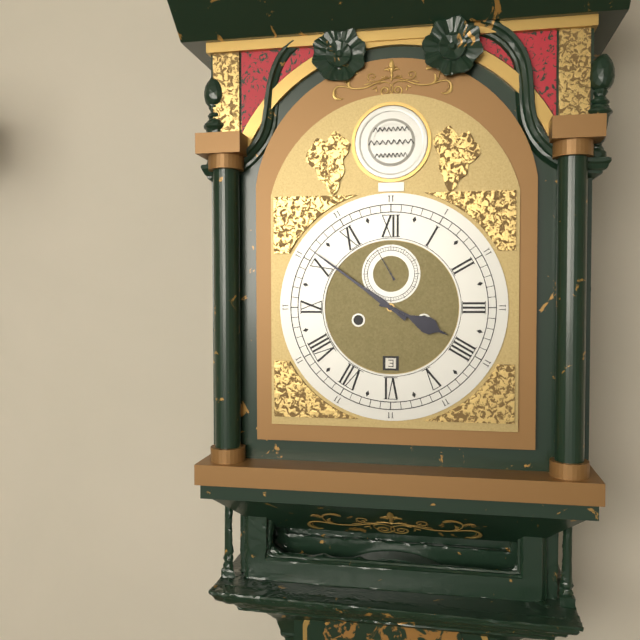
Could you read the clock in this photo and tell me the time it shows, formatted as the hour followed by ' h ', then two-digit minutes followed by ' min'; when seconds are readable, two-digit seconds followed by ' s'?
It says 3 h 51 min
